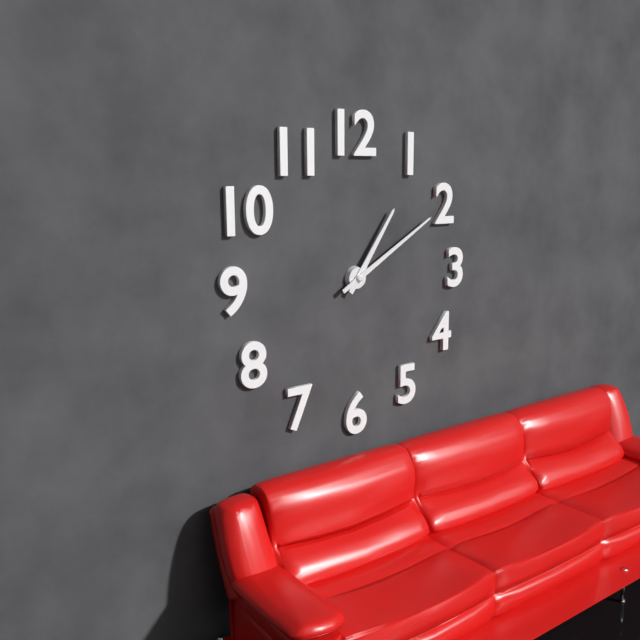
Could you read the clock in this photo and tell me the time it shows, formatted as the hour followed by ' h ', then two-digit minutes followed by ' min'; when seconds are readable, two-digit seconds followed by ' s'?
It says 1 h 10 min
